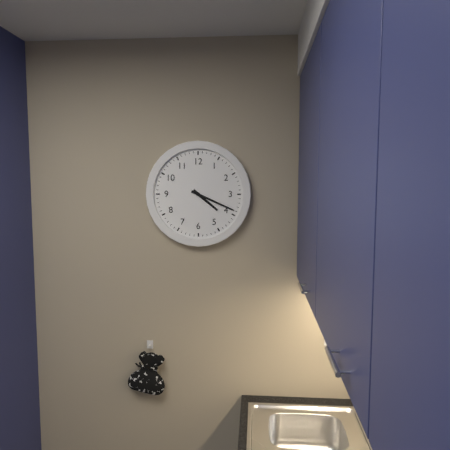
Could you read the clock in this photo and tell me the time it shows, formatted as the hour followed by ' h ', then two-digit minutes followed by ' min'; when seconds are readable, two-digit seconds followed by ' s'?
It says 4 h 19 min
